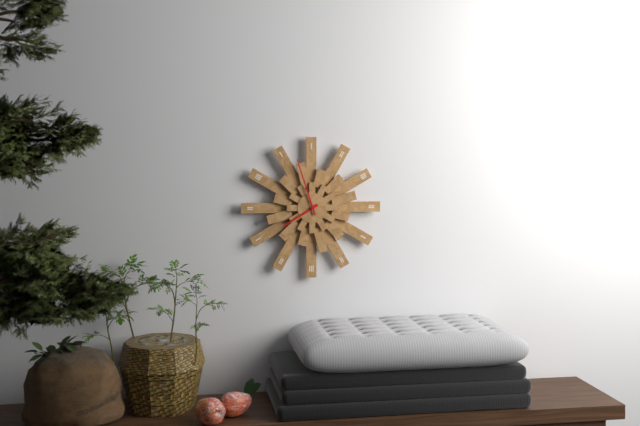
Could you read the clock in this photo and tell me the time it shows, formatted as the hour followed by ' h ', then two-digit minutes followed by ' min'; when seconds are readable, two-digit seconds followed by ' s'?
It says 7 h 57 min
